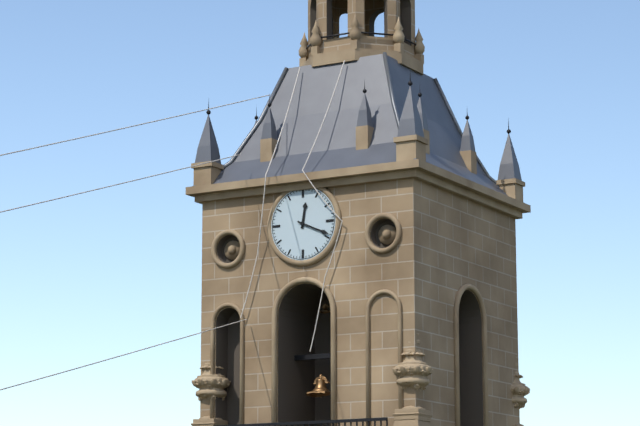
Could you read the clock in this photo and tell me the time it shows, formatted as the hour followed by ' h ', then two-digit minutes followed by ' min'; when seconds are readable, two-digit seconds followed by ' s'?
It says 12 h 19 min
